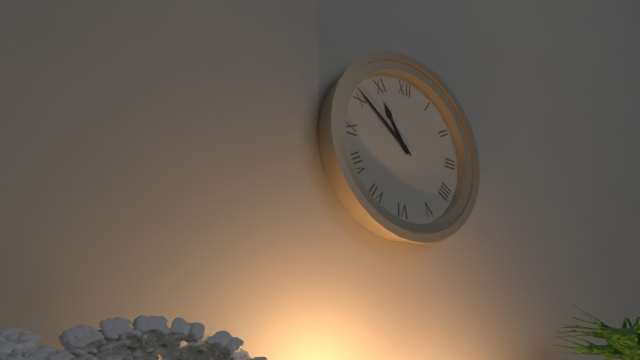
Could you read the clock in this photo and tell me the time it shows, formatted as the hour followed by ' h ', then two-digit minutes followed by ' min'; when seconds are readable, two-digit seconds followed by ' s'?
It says 10 h 51 min
